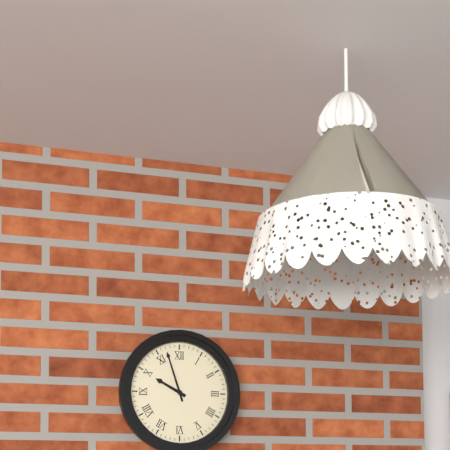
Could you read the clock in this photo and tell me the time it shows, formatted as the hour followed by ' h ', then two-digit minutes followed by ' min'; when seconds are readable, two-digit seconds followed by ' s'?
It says 9 h 57 min
